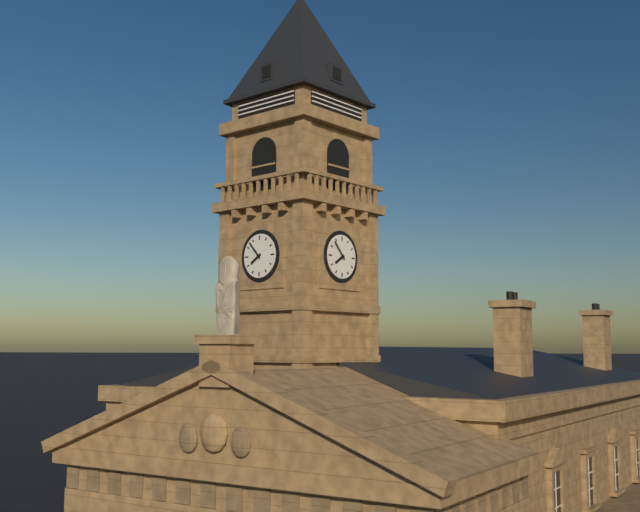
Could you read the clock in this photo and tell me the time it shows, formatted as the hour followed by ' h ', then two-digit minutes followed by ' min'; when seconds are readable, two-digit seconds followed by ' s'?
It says 7 h 53 min
